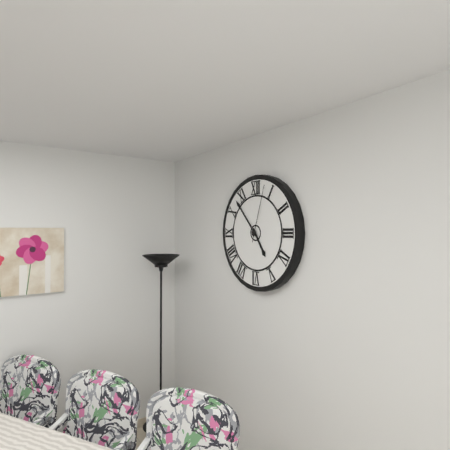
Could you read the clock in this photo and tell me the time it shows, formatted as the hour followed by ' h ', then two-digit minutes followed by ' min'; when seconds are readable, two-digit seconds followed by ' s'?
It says 4 h 53 min 03 s
